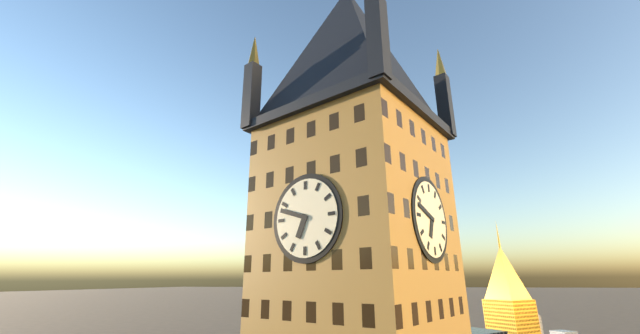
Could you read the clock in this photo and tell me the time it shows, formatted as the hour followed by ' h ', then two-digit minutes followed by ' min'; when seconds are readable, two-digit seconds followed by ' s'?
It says 6 h 48 min
